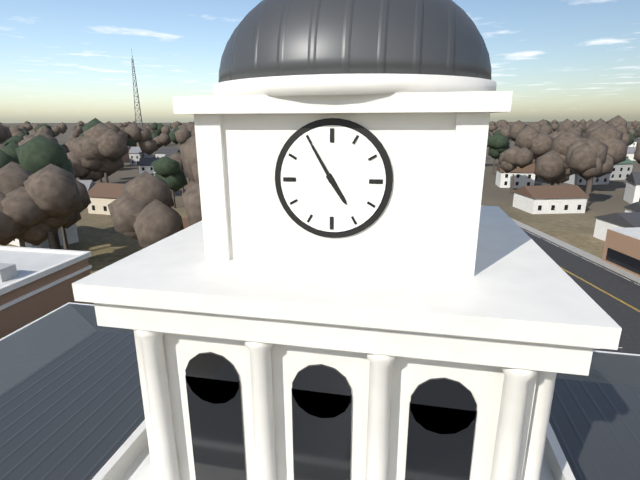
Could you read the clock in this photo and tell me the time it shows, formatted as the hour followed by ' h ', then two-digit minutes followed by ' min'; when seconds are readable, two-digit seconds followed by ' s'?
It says 4 h 55 min
